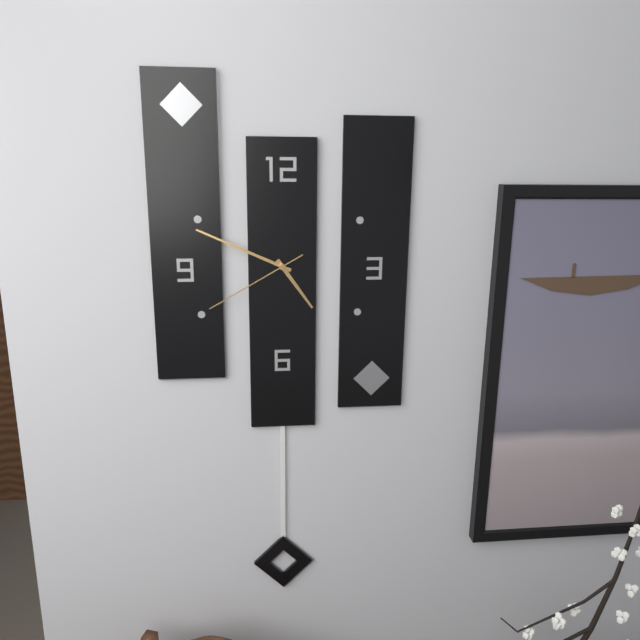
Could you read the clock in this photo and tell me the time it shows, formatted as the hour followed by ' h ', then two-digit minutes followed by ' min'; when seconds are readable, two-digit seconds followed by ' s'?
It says 4 h 49 min 40 s
